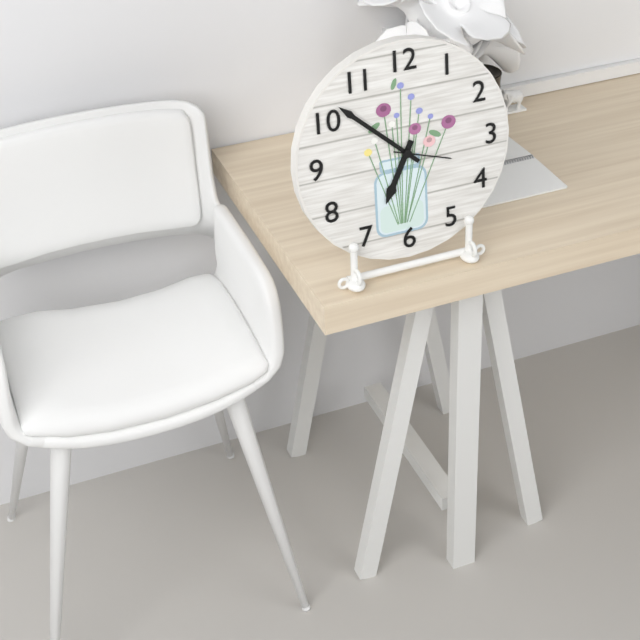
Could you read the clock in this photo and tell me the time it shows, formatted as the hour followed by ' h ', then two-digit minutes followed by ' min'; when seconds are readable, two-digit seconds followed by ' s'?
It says 6 h 52 min 18 s
